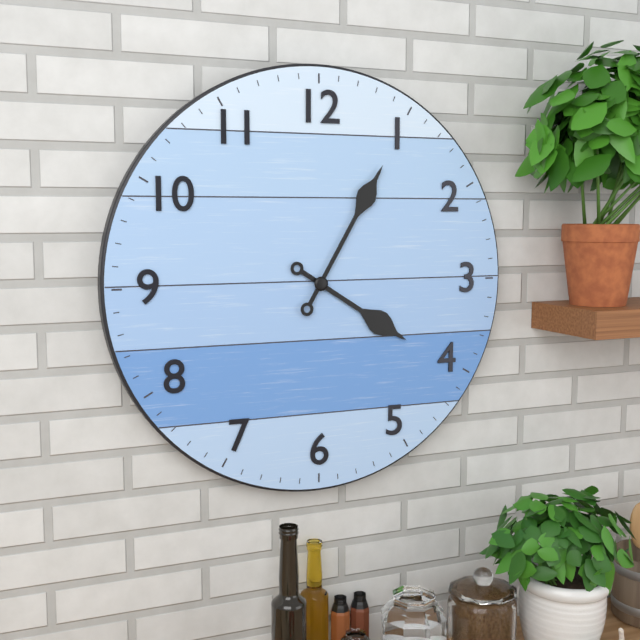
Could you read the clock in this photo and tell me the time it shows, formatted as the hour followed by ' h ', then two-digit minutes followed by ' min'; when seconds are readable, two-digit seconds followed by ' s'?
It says 4 h 05 min
